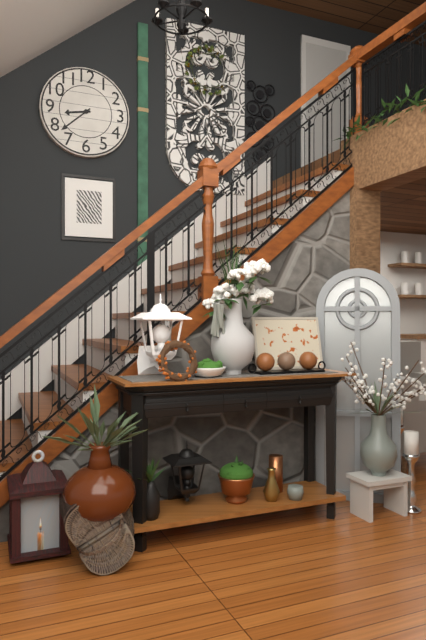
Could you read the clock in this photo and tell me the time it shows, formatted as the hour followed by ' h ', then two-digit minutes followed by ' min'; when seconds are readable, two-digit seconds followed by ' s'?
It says 8 h 38 min
